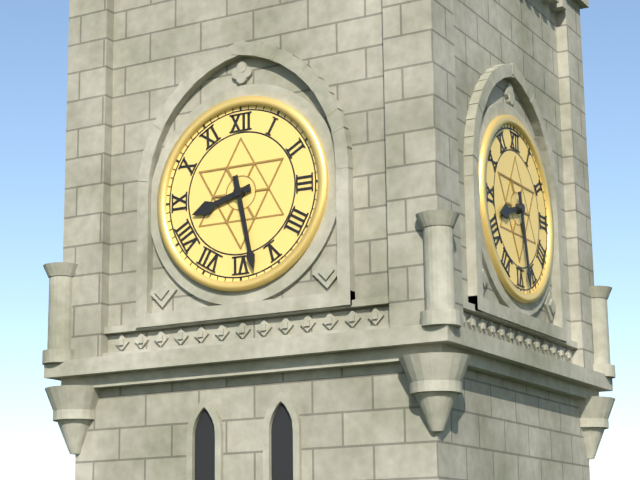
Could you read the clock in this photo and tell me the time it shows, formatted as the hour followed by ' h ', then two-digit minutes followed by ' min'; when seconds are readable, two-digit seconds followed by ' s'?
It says 8 h 28 min
